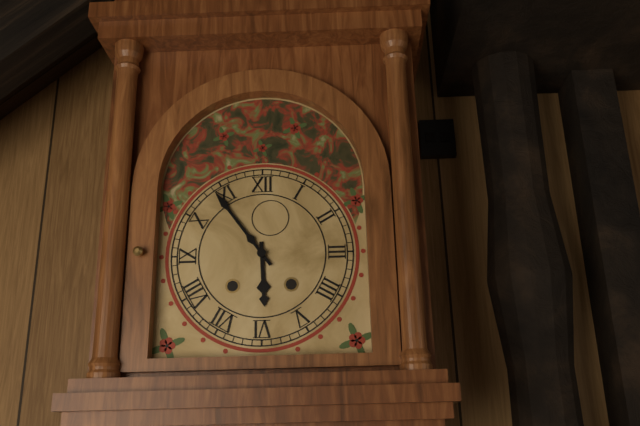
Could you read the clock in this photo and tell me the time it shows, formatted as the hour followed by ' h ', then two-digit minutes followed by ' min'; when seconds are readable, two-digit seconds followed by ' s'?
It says 5 h 54 min
